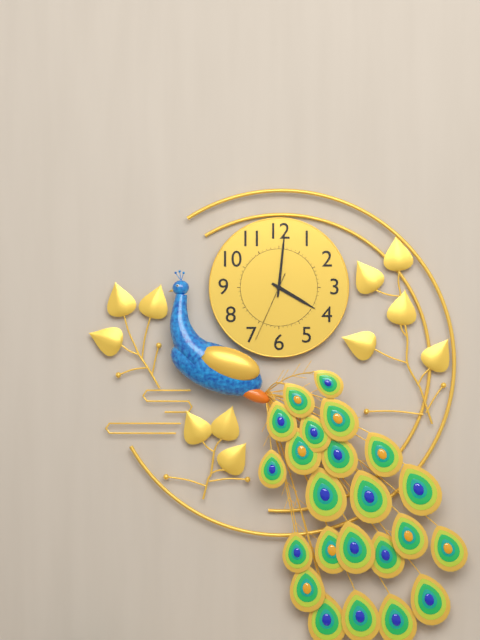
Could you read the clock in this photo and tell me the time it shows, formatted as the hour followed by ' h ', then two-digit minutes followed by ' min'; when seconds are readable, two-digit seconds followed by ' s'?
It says 4 h 01 min 34 s
